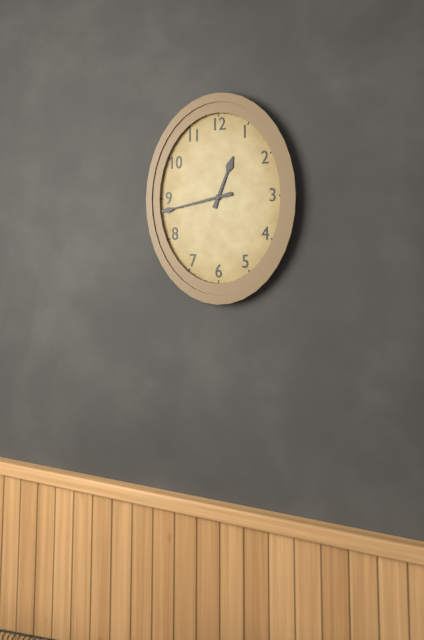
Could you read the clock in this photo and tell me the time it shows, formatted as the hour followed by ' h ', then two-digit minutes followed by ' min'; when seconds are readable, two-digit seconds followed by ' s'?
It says 12 h 43 min
